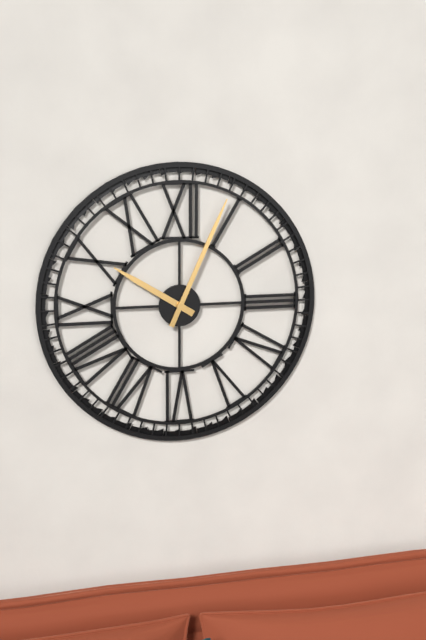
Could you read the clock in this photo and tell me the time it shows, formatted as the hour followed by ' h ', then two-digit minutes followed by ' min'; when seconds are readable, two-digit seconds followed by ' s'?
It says 10 h 04 min
